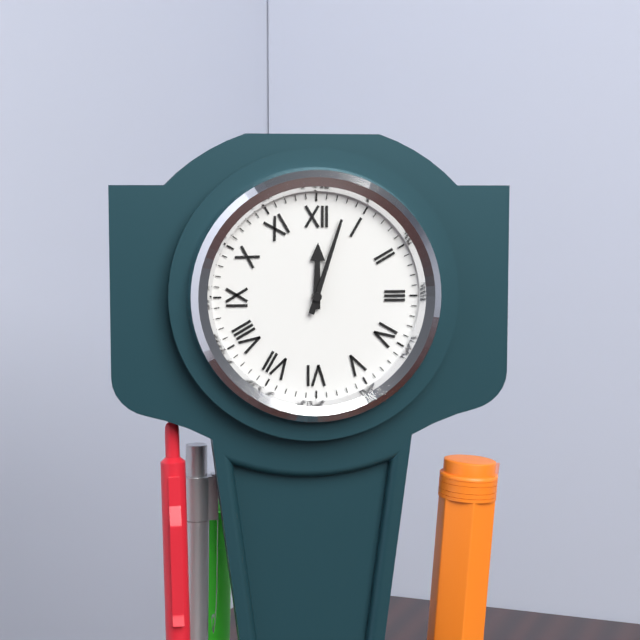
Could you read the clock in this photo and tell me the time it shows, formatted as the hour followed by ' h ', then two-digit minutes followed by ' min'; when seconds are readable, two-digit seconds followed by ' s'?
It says 12 h 03 min
